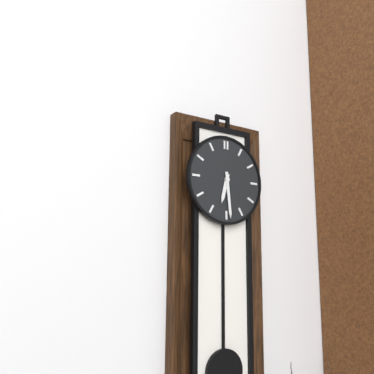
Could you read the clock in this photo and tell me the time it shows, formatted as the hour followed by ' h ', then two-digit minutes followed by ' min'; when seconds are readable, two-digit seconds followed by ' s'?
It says 6 h 29 min
